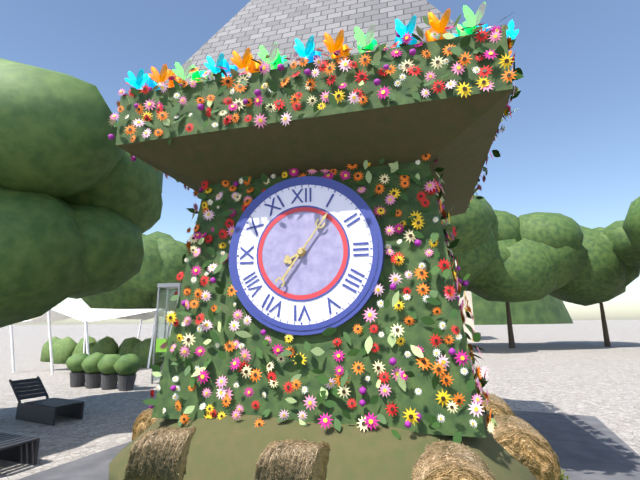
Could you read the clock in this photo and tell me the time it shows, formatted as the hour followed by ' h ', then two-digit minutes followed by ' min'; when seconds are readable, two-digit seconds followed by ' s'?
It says 8 h 06 min
